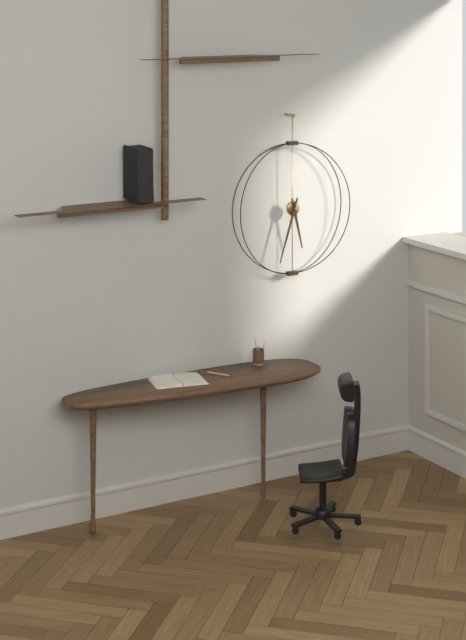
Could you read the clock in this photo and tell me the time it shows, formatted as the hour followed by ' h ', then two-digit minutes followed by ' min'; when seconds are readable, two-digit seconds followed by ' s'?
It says 5 h 33 min
